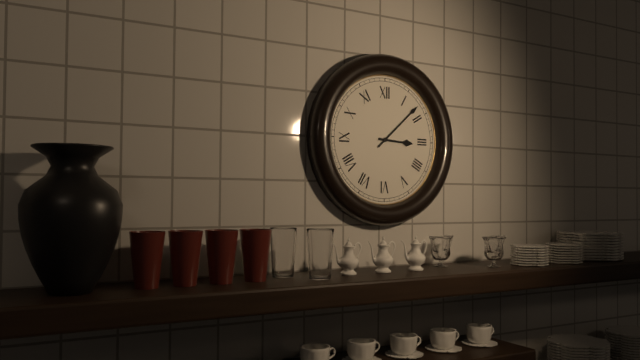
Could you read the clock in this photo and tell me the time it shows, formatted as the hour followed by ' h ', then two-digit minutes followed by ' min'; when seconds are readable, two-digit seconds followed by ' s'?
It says 3 h 08 min
